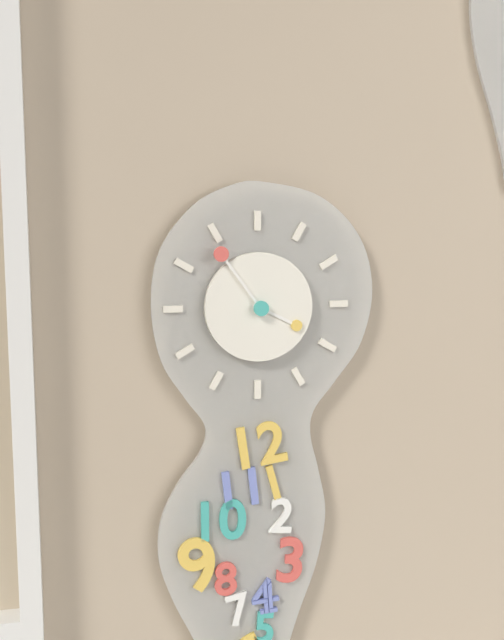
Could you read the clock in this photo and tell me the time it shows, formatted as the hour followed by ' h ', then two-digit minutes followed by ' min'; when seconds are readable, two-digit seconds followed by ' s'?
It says 3 h 54 min
